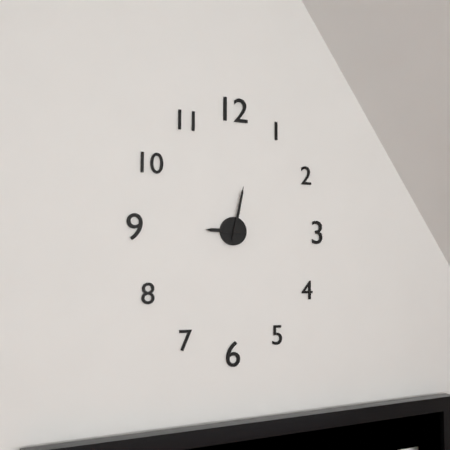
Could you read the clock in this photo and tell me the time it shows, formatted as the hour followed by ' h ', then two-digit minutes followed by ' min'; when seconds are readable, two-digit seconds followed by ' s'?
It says 9 h 02 min
